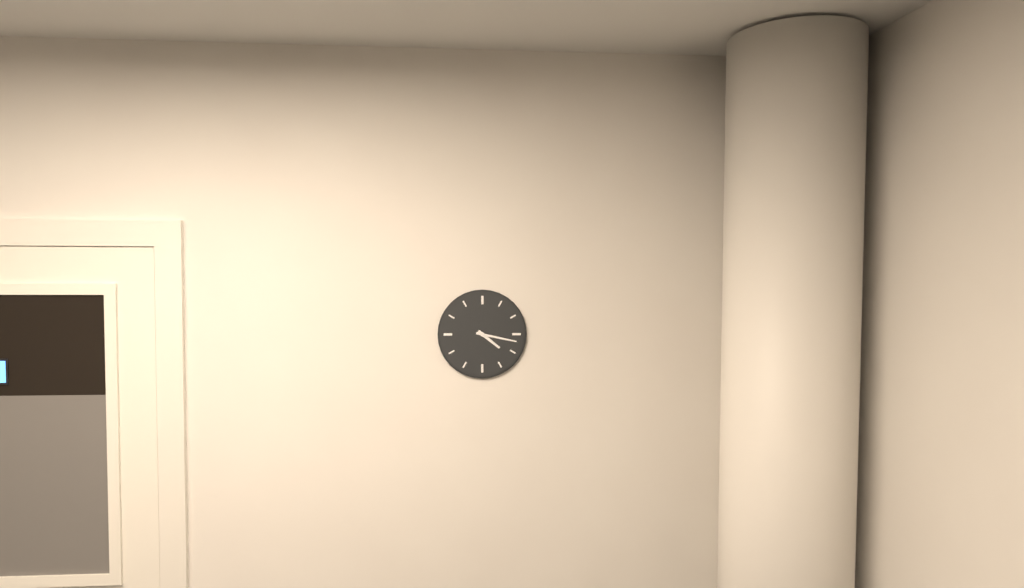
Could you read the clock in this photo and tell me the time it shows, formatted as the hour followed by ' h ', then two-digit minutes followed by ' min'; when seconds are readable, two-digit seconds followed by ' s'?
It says 4 h 17 min
